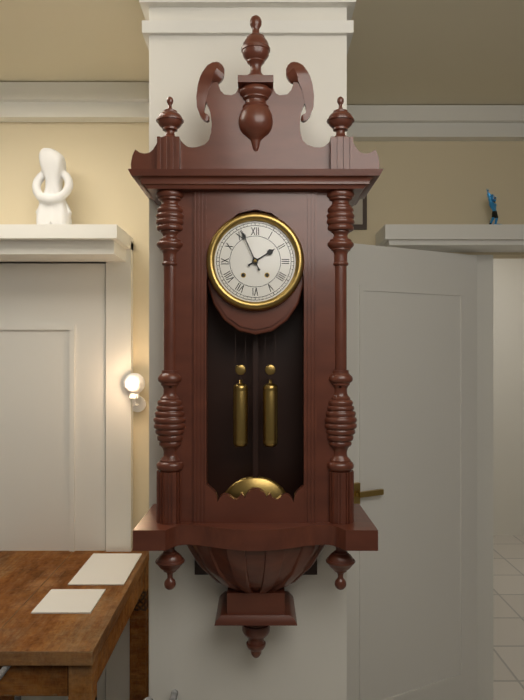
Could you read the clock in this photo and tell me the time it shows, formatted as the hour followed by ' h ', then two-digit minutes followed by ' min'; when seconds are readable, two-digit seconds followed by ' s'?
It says 1 h 56 min
